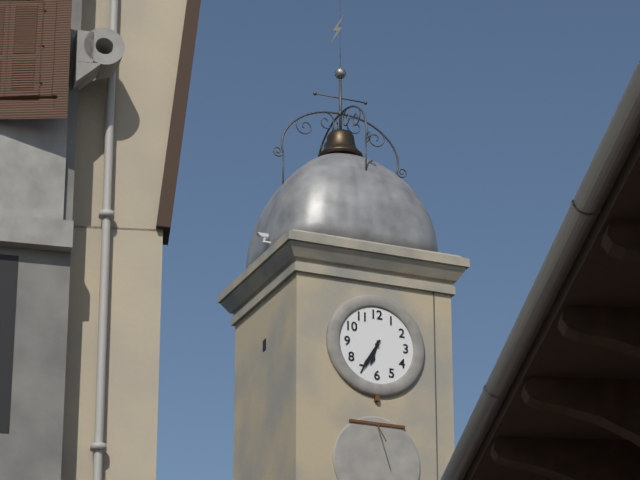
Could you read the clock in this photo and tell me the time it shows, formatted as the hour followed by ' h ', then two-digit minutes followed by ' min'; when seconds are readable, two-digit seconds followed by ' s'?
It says 6 h 35 min
